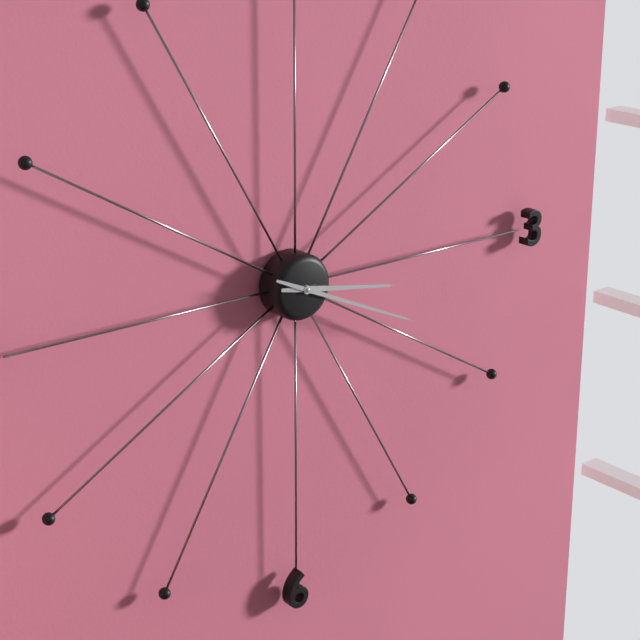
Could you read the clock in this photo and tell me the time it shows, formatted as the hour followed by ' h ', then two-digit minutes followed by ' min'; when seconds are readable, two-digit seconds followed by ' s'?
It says 3 h 19 min
